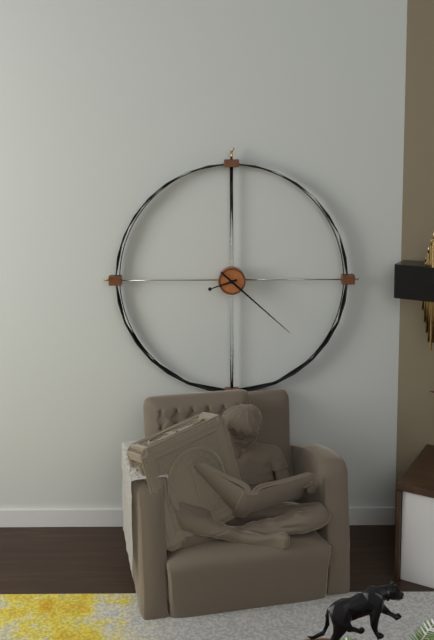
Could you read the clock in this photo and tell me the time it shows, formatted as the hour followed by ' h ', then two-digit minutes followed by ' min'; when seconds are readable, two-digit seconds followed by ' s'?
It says 8 h 22 min
